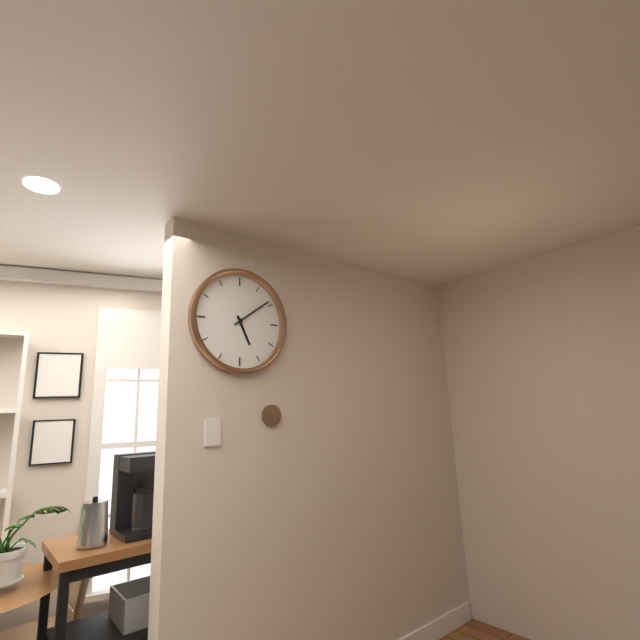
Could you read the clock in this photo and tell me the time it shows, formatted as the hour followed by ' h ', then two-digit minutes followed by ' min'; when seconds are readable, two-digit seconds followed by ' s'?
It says 5 h 09 min
